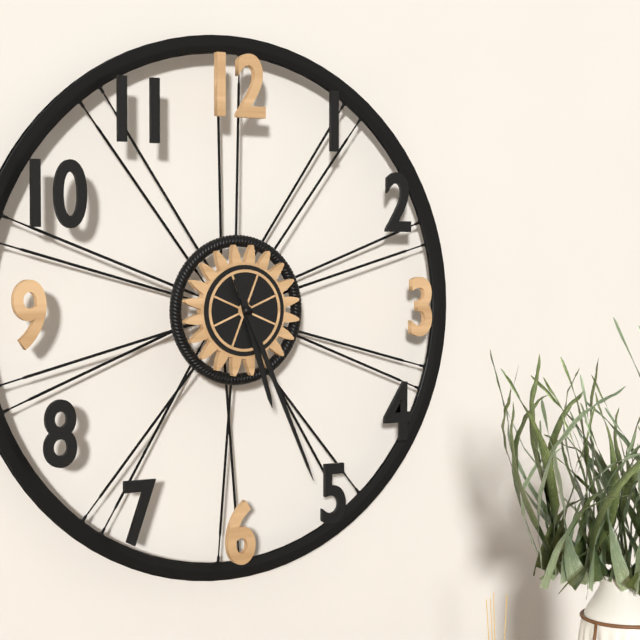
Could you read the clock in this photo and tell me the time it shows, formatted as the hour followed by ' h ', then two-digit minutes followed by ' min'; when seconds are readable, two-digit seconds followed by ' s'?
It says 5 h 26 min
